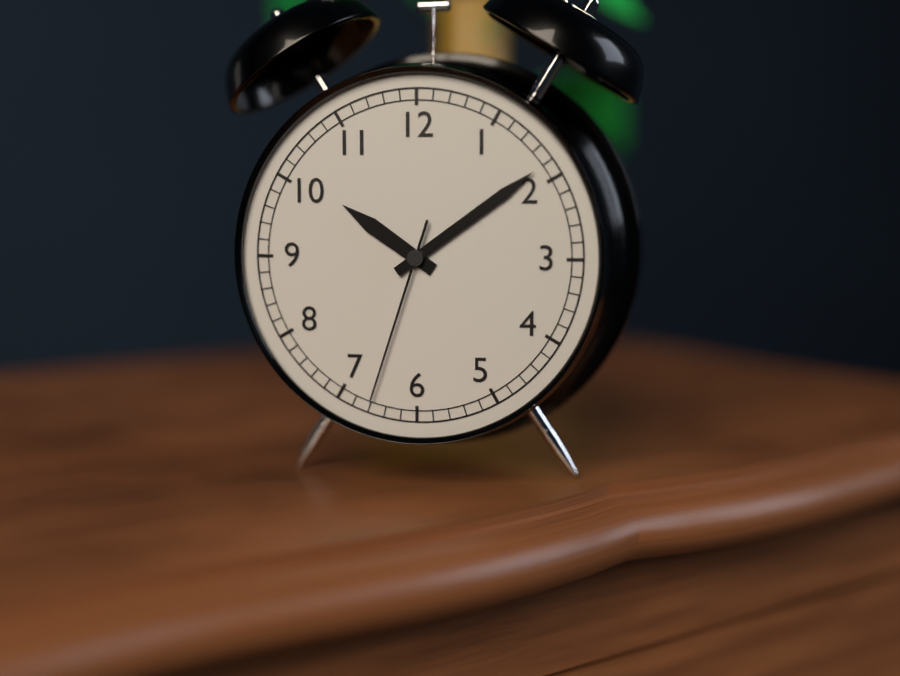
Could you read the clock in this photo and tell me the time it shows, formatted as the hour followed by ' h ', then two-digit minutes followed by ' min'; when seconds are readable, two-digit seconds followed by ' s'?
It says 10 h 09 min 33 s
